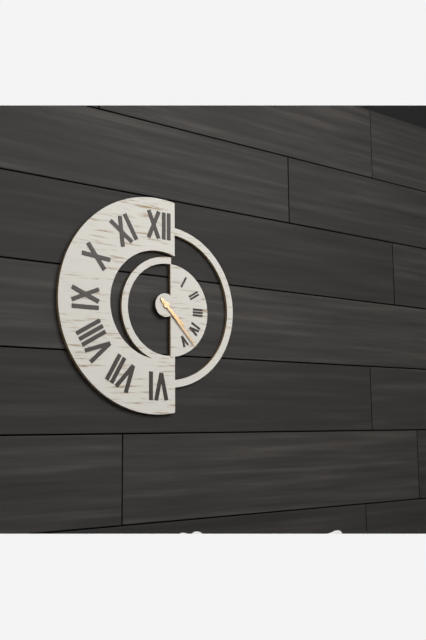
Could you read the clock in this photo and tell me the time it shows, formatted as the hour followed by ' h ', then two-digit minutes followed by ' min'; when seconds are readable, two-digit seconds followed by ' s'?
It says 4 h 23 min
